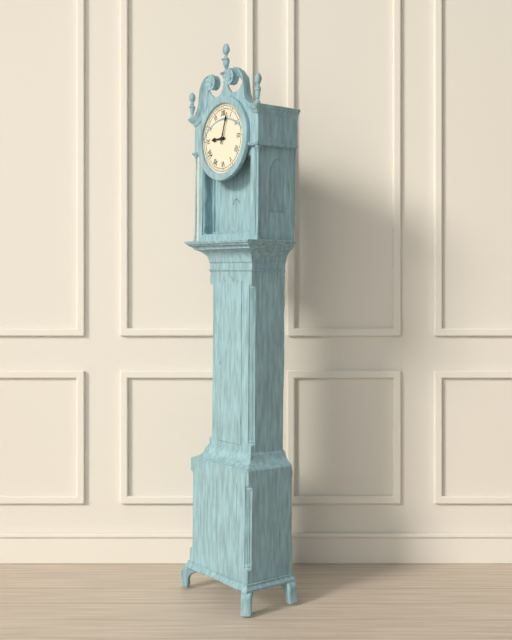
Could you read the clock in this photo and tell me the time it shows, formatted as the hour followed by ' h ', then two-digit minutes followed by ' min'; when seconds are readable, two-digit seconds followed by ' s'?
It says 9 h 03 min
